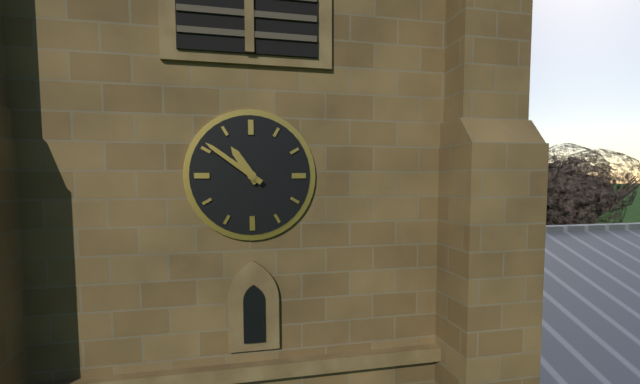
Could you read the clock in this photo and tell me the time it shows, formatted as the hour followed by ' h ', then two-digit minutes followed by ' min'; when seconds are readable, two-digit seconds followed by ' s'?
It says 10 h 51 min
